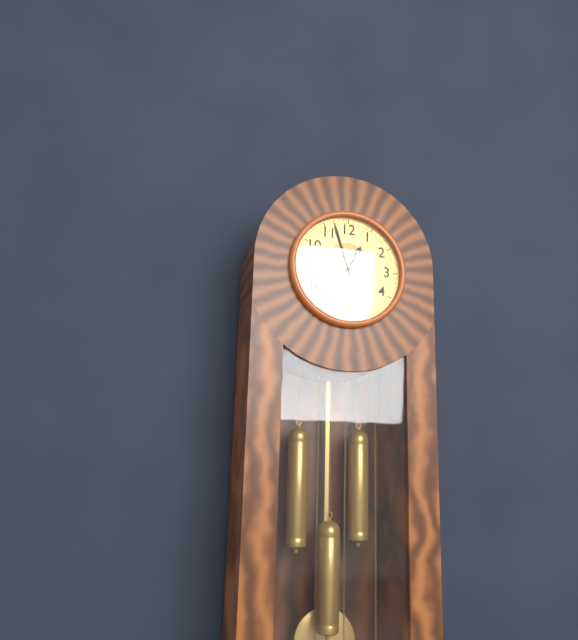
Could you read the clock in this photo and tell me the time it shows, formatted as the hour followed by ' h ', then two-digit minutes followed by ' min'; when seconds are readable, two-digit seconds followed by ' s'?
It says 12 h 57 min
